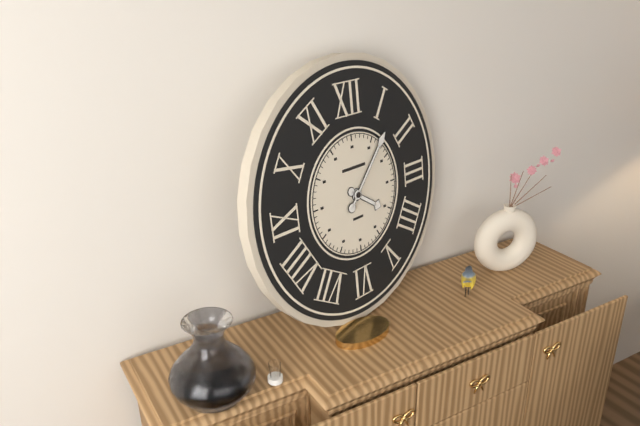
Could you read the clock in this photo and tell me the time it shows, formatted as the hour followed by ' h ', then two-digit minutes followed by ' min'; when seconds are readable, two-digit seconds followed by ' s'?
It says 4 h 07 min
